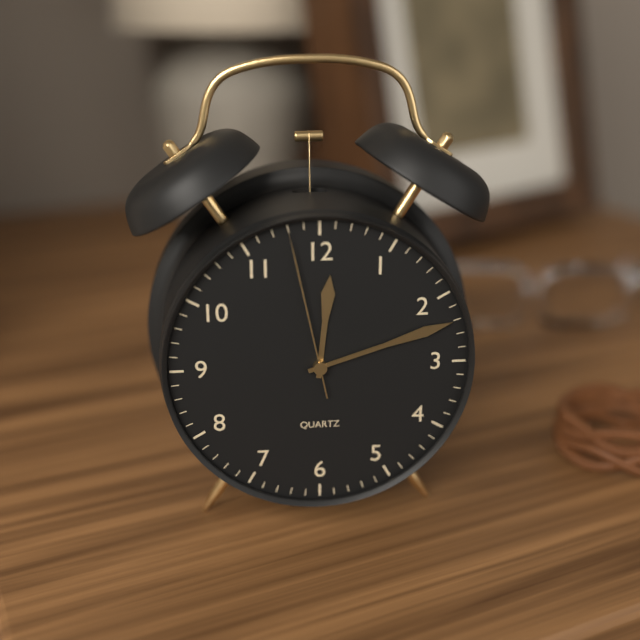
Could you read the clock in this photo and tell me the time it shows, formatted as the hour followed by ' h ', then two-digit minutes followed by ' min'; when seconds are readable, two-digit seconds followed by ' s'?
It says 12 h 12 min 58 s
